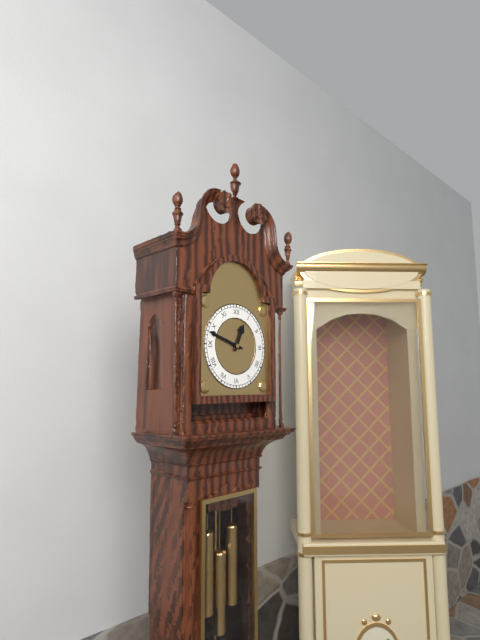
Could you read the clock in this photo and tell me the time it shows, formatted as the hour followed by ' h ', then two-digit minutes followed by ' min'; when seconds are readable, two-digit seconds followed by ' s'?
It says 12 h 48 min
